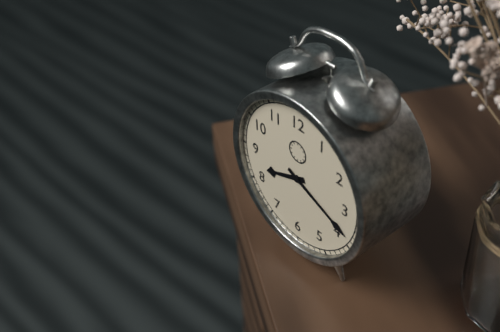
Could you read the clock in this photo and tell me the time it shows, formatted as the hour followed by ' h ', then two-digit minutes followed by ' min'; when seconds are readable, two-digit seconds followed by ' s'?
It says 8 h 19 min
